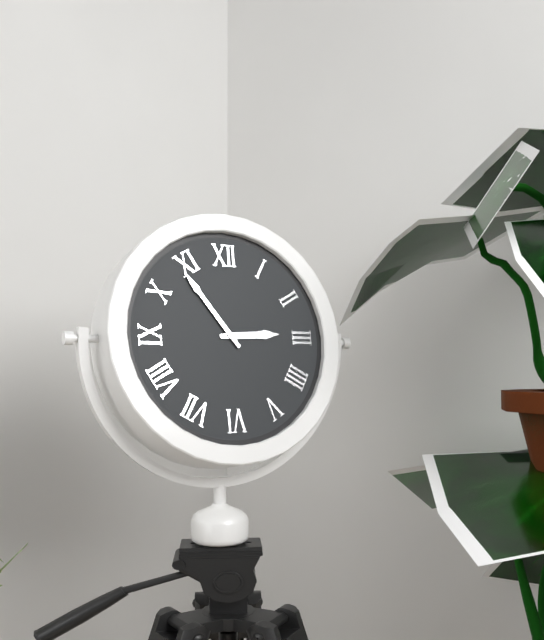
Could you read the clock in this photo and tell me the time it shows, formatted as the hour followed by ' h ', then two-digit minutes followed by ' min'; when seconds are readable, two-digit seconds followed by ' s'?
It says 2 h 54 min
